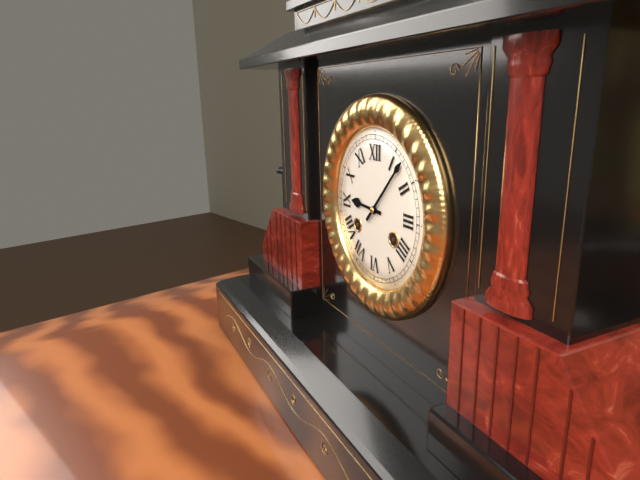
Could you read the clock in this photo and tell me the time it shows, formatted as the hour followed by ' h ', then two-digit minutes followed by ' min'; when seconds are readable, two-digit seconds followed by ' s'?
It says 9 h 07 min
